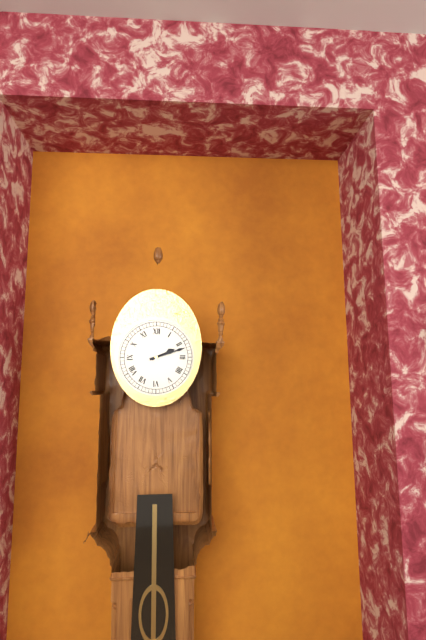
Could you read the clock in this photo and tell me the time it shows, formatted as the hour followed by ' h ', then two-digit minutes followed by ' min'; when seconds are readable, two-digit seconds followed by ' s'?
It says 2 h 12 min
